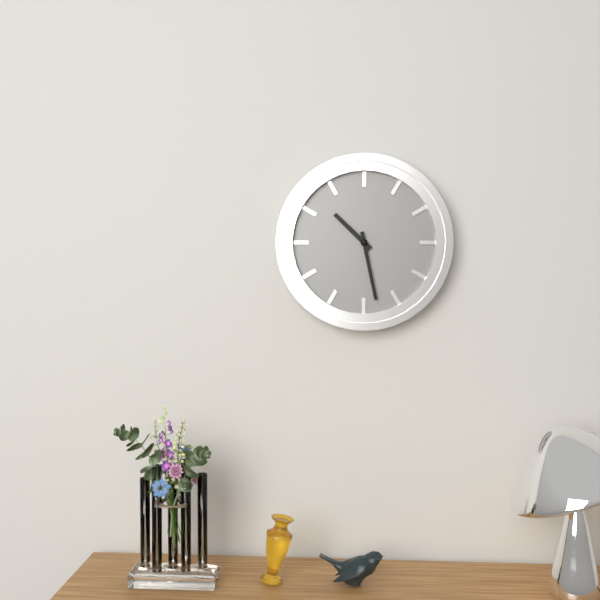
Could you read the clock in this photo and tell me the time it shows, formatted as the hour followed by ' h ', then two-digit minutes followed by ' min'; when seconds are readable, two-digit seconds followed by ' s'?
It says 10 h 28 min
